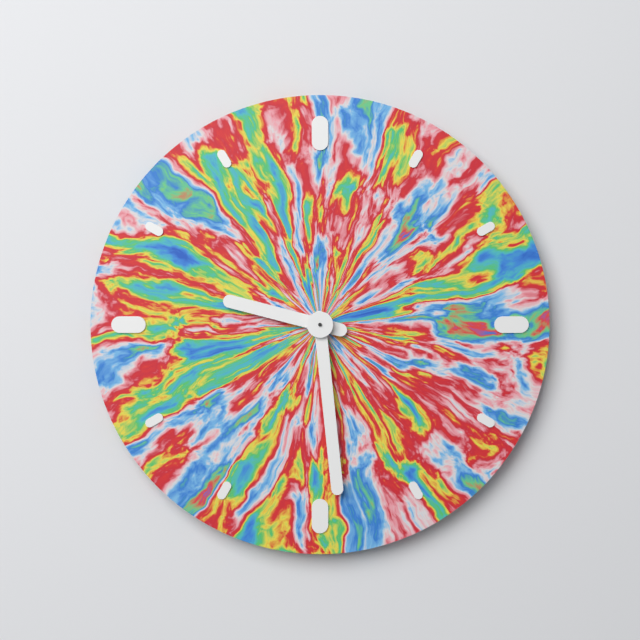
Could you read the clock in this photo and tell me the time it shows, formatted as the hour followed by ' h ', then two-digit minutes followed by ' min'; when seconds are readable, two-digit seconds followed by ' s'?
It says 9 h 29 min
